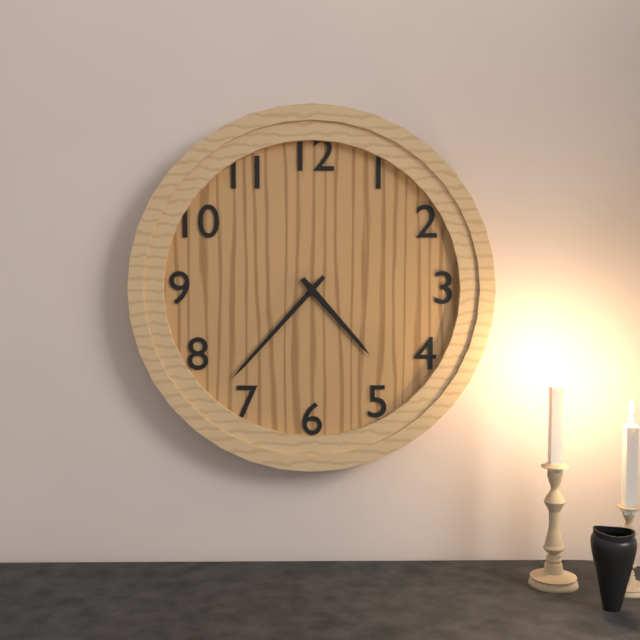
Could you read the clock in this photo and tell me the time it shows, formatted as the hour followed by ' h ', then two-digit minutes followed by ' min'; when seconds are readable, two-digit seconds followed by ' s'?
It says 4 h 37 min
